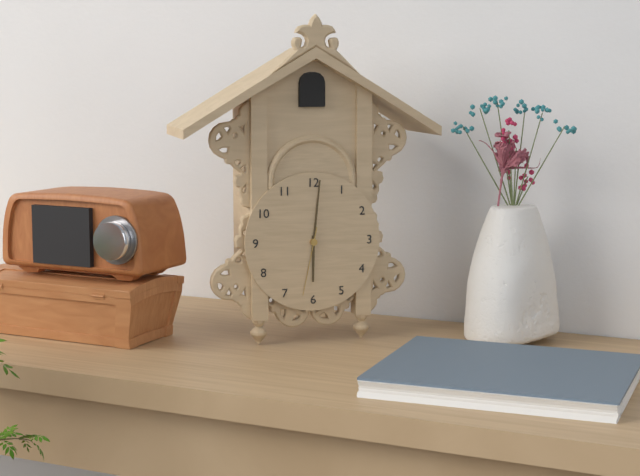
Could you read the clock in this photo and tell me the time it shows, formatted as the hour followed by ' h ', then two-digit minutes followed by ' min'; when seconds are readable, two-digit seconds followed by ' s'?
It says 6 h 01 min 32 s
